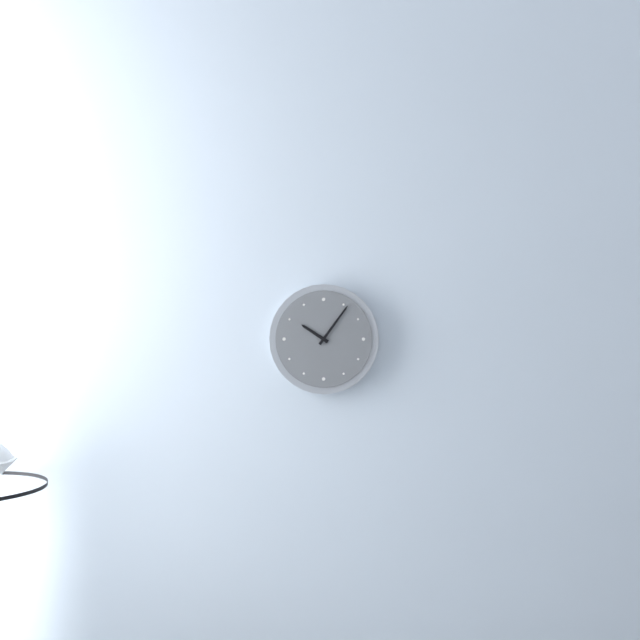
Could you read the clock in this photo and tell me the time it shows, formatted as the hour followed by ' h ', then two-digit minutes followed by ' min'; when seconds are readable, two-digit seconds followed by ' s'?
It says 10 h 06 min
